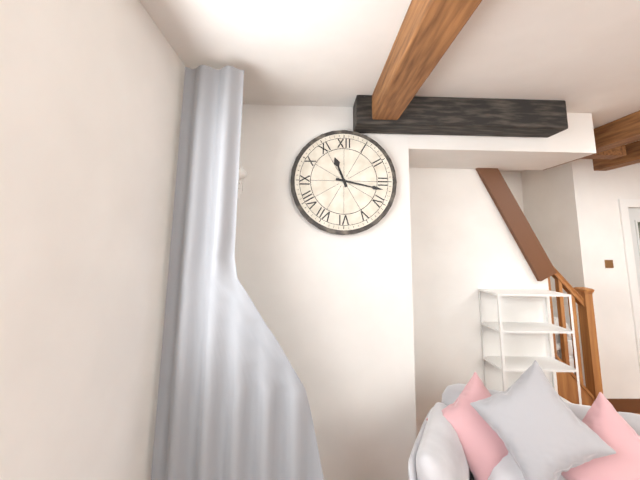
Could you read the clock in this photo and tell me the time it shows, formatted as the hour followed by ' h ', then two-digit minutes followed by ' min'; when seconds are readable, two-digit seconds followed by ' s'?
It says 11 h 17 min
